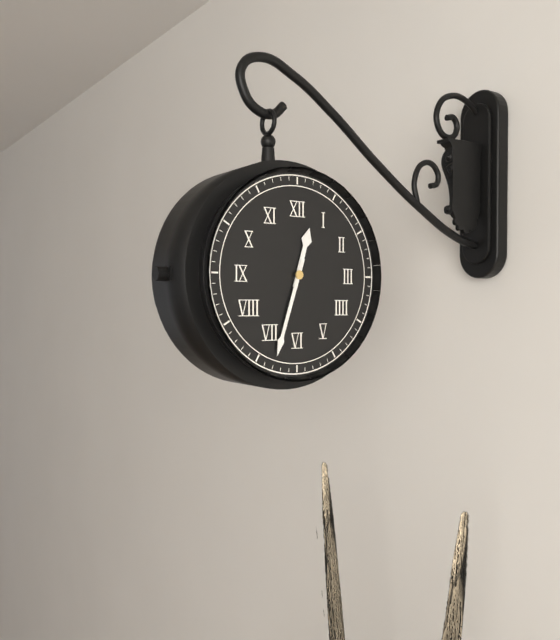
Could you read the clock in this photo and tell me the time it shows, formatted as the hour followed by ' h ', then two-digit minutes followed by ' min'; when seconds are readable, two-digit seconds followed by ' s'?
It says 12 h 33 min
